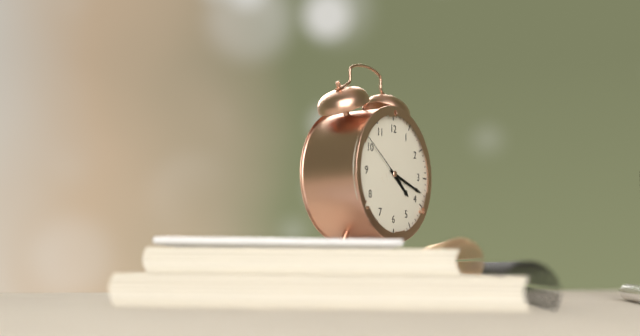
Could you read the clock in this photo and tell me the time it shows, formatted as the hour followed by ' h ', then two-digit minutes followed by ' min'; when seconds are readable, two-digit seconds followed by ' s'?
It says 4 h 18 min 51 s
